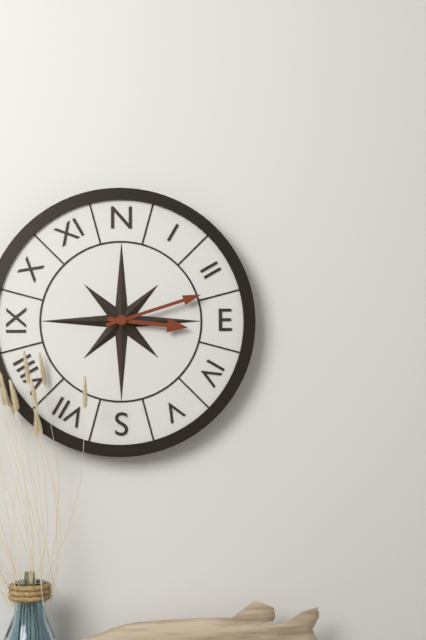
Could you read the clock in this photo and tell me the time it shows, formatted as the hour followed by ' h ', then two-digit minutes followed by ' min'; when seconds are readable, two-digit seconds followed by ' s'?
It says 3 h 12 min
